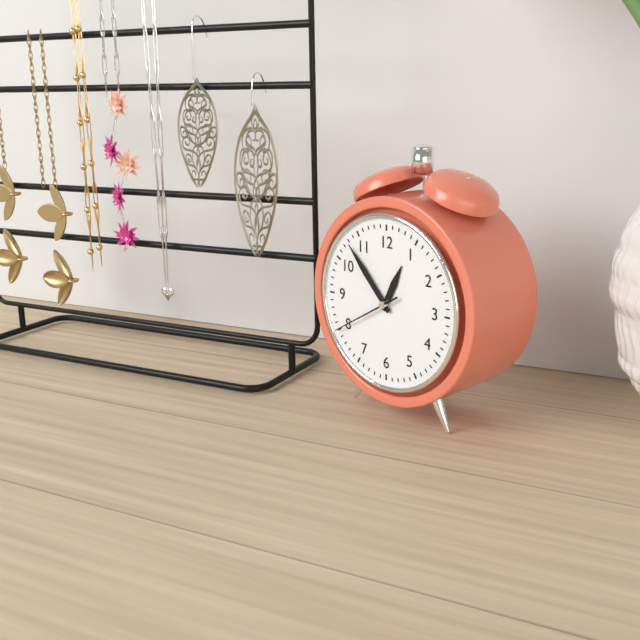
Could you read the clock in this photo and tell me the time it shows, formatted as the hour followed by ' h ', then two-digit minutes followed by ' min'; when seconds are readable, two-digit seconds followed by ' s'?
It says 12 h 53 min 40 s
